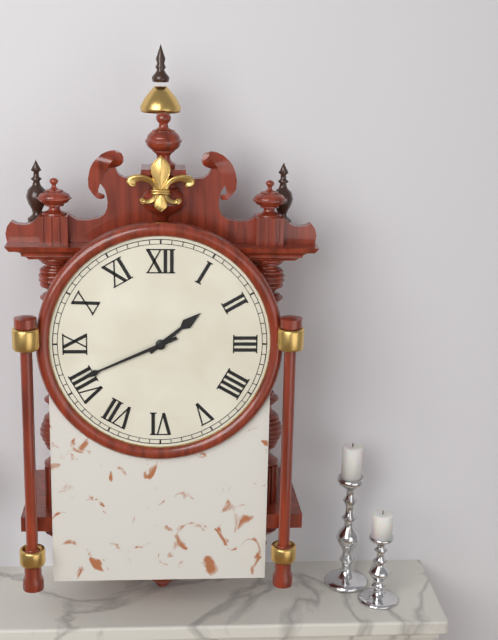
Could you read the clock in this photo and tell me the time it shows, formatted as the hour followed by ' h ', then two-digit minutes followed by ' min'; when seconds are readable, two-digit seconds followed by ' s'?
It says 1 h 41 min
